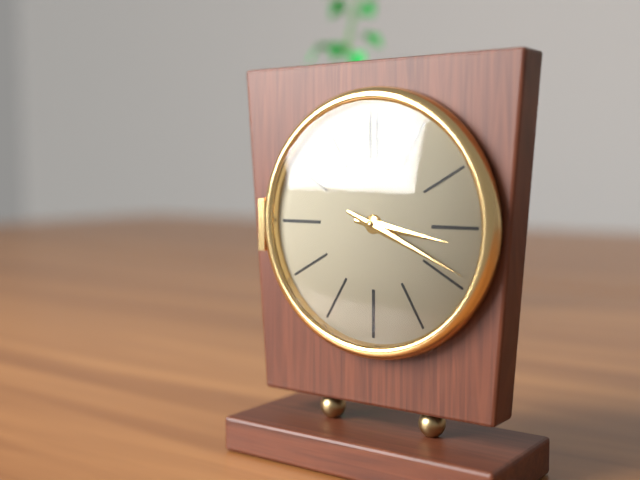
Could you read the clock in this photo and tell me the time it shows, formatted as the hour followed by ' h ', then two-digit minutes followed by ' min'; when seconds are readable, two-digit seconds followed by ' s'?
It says 3 h 19 min
